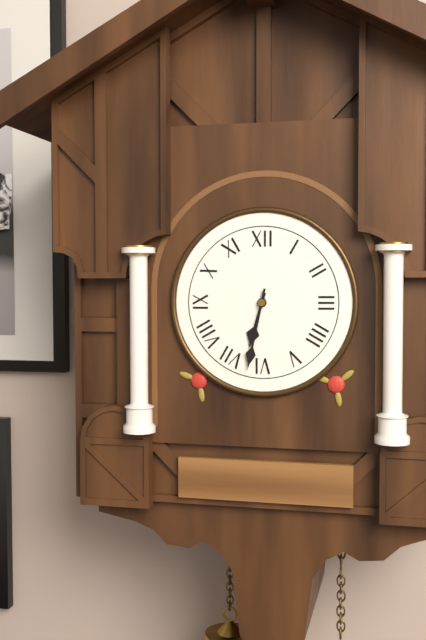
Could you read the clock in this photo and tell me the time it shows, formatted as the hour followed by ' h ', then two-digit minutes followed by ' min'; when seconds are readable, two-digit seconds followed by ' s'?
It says 6 h 32 min
